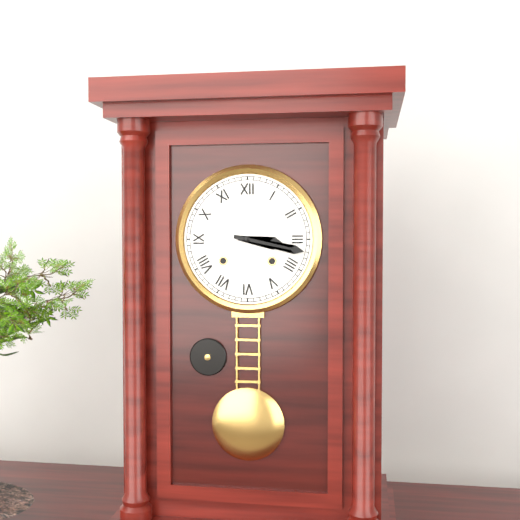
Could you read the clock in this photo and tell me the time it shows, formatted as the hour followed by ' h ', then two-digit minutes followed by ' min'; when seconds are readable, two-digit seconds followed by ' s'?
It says 3 h 17 min
